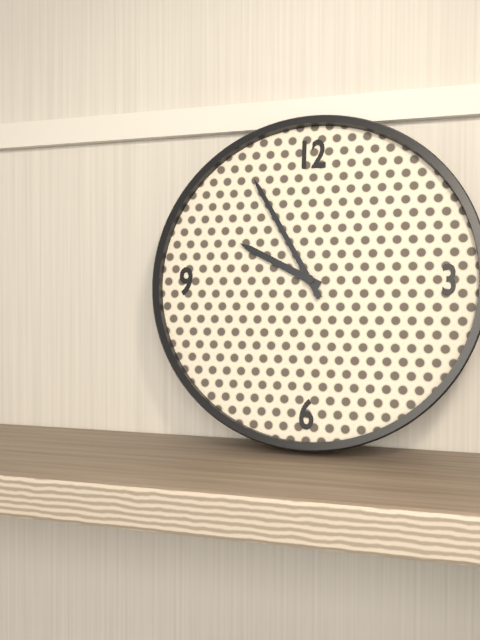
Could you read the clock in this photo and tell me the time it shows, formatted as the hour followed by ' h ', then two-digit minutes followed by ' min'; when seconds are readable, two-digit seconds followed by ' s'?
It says 9 h 55 min
